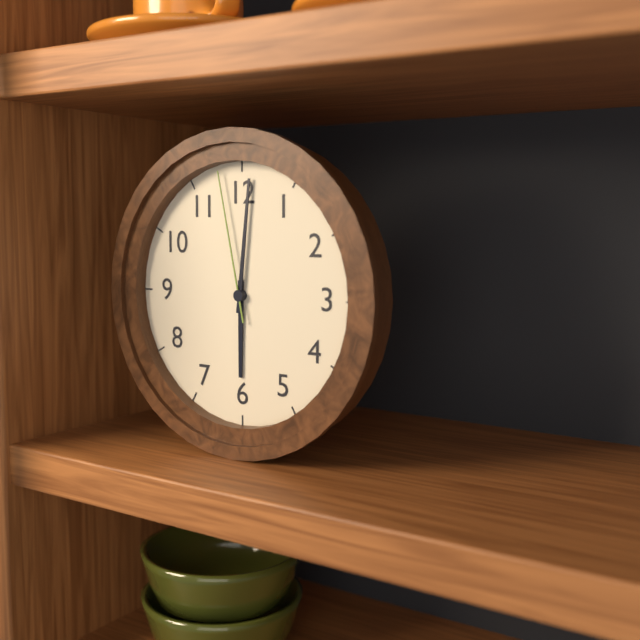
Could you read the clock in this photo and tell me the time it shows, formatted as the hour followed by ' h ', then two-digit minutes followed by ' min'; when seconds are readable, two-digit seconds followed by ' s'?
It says 6 h 01 min 58 s
